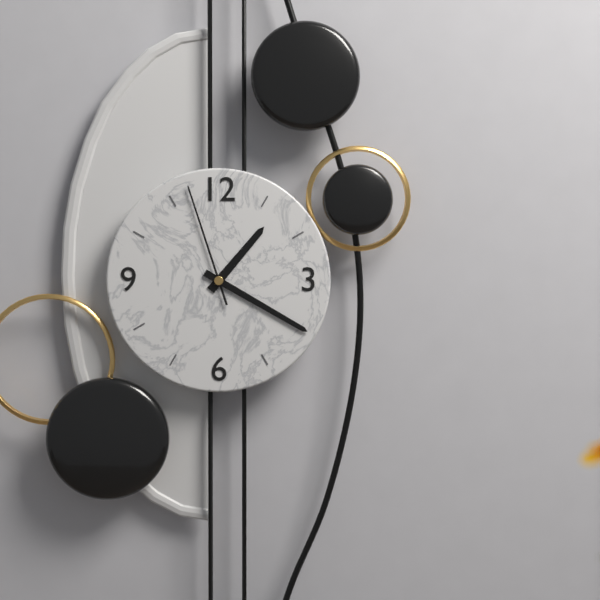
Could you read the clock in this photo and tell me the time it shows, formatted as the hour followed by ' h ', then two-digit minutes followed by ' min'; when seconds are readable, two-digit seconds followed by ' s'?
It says 1 h 20 min 57 s
